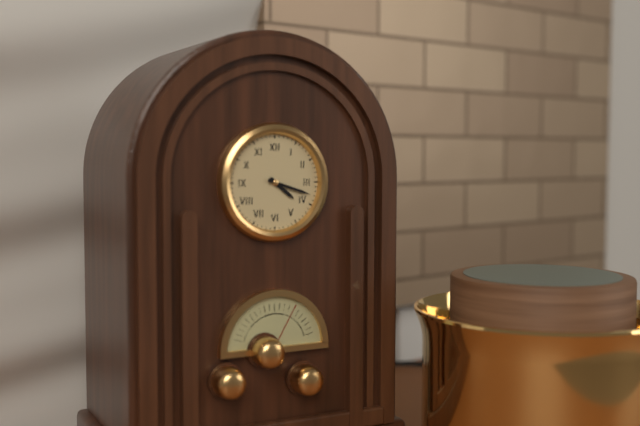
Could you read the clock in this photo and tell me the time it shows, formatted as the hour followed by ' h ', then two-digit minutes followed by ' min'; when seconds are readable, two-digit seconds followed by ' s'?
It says 4 h 18 min
